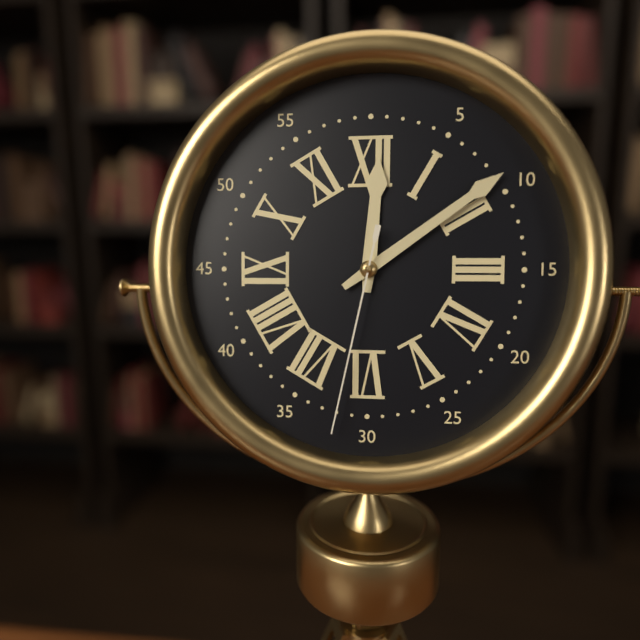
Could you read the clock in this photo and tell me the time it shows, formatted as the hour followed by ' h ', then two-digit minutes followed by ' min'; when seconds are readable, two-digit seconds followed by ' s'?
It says 12 h 09 min 32 s
